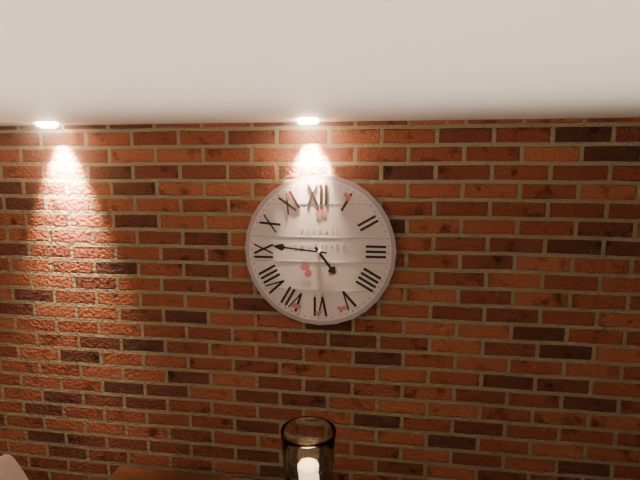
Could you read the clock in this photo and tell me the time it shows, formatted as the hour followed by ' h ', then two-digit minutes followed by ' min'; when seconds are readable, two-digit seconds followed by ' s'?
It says 4 h 46 min
